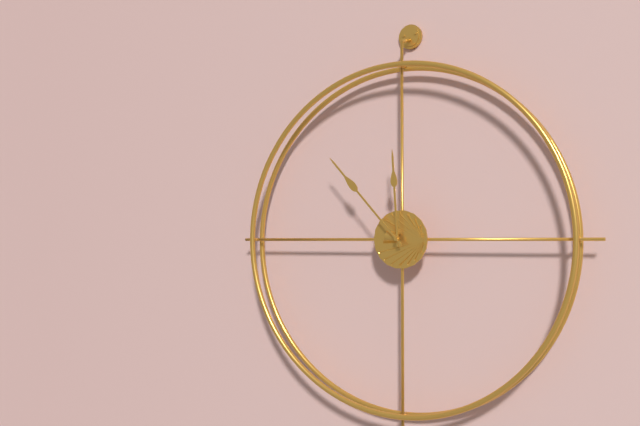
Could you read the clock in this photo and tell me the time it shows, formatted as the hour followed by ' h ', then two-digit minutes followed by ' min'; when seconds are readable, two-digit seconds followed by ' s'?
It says 11 h 53 min
